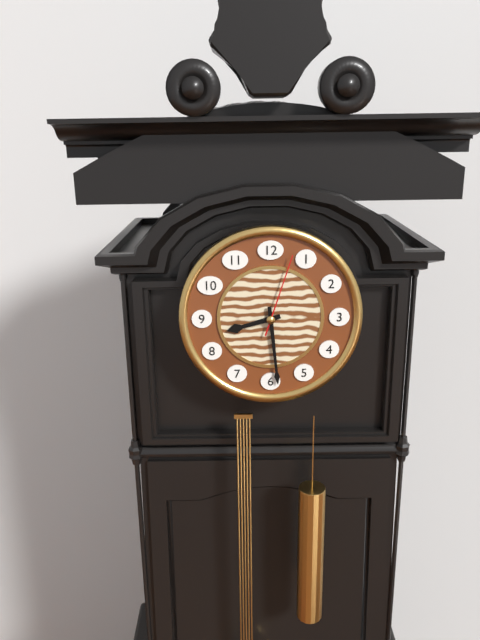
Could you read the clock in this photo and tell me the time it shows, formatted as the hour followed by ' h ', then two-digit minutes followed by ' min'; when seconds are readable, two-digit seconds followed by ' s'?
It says 8 h 29 min 03 s
